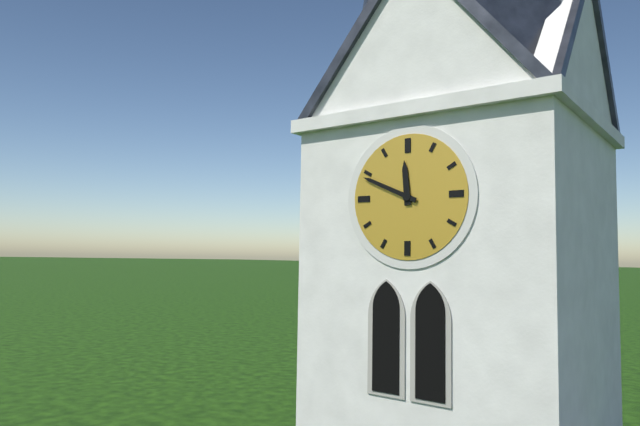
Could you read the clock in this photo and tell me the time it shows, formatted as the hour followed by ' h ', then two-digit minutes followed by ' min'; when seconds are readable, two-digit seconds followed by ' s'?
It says 11 h 49 min
